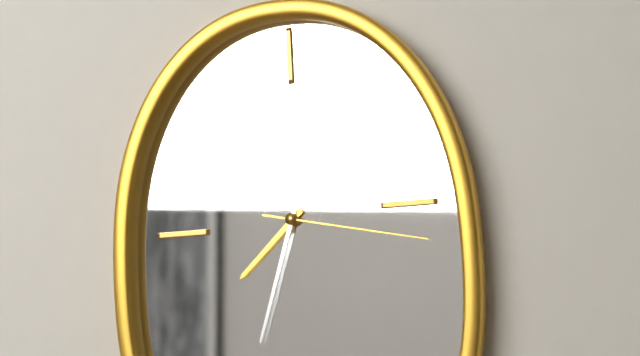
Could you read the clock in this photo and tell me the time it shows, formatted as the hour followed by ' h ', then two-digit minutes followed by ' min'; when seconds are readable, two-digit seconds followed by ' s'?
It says 7 h 33 min 17 s
